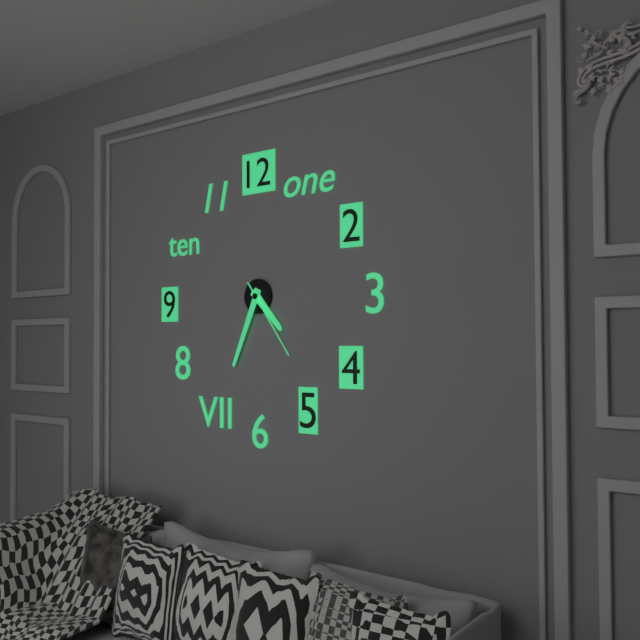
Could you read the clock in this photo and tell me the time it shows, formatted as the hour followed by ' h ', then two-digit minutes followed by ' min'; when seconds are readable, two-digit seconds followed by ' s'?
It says 4 h 34 min 24 s
